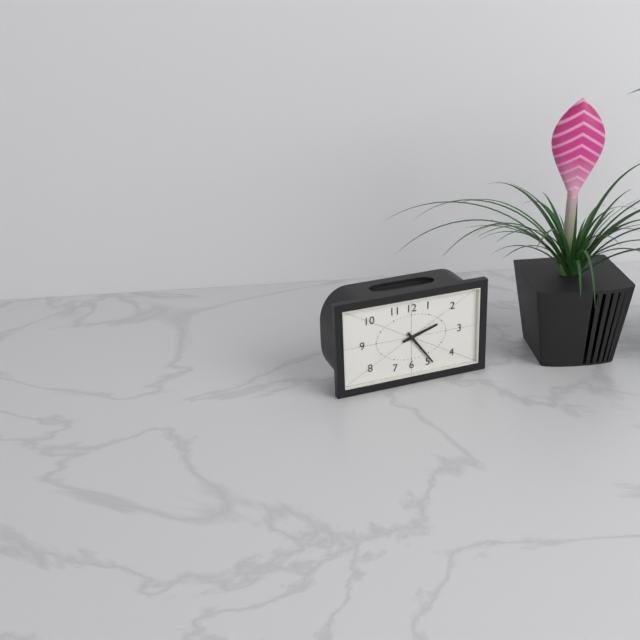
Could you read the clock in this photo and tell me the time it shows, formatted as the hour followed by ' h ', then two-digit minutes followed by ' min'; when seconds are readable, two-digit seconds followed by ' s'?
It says 2 h 24 min
